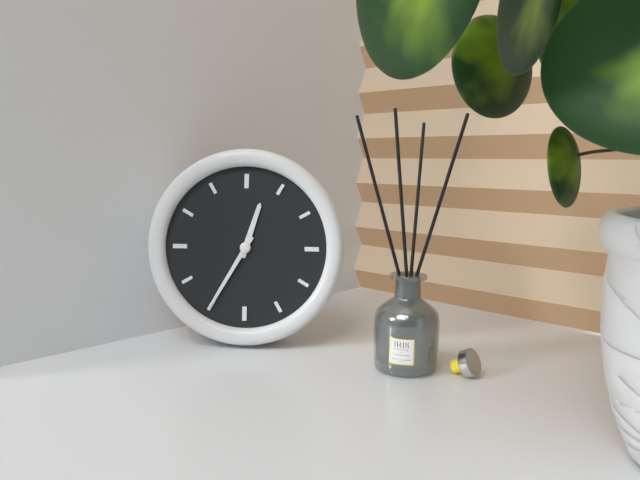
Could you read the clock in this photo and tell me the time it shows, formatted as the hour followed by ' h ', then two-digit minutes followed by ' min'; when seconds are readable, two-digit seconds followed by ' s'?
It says 12 h 35 min
